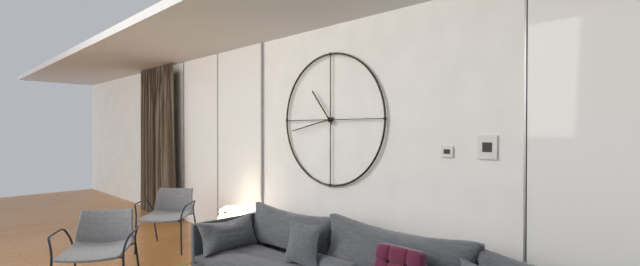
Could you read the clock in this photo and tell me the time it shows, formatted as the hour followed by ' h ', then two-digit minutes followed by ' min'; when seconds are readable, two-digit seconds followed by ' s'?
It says 10 h 43 min
